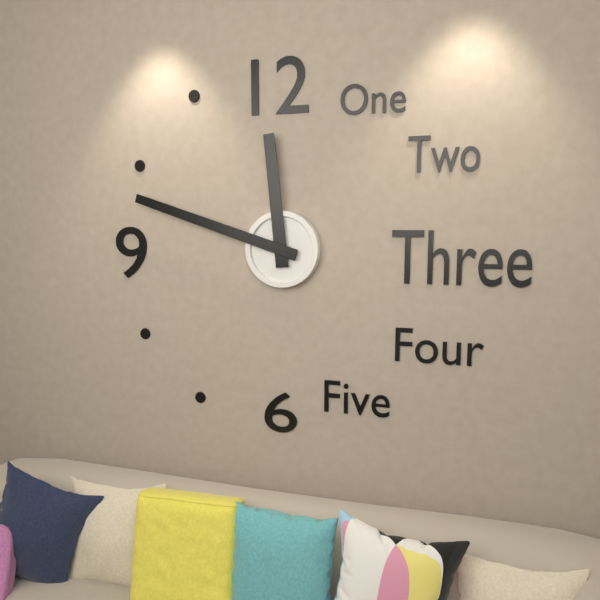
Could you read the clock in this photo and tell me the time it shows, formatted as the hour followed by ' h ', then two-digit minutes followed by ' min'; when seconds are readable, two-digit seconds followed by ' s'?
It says 11 h 48 min
